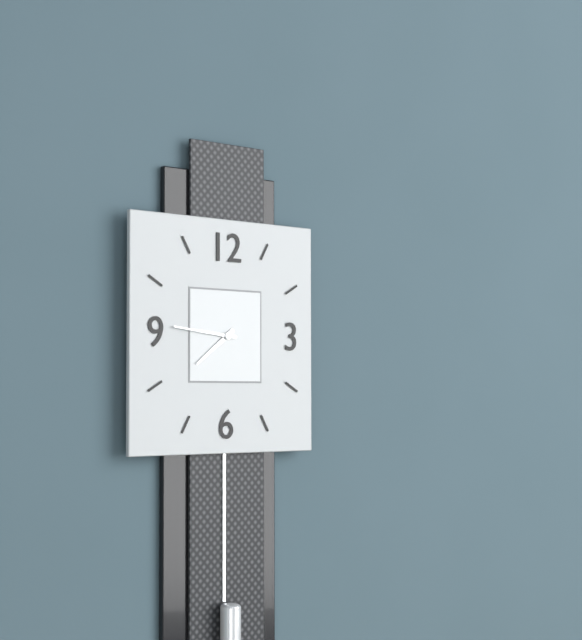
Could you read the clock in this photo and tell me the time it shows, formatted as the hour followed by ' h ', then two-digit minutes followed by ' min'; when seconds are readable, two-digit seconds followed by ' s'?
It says 7 h 46 min
